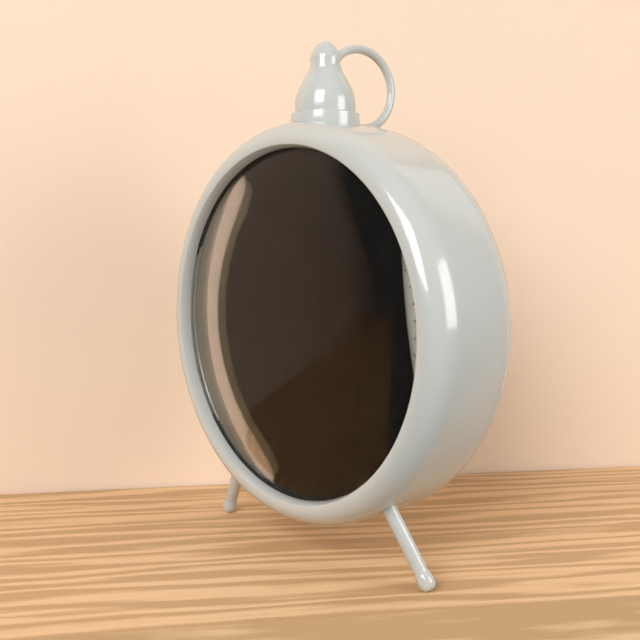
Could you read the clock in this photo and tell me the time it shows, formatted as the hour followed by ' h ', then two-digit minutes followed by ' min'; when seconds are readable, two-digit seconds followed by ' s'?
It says 5 h 20 min
